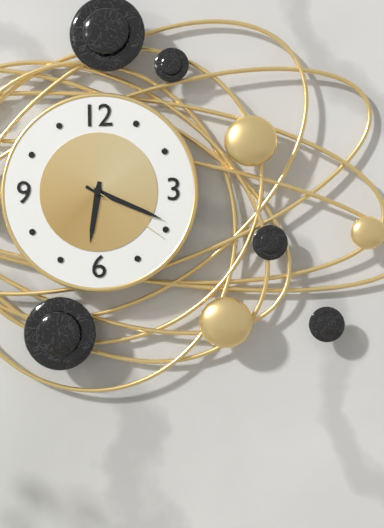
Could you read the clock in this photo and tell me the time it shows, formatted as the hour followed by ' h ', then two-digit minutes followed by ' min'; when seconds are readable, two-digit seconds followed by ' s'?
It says 6 h 19 min 21 s
